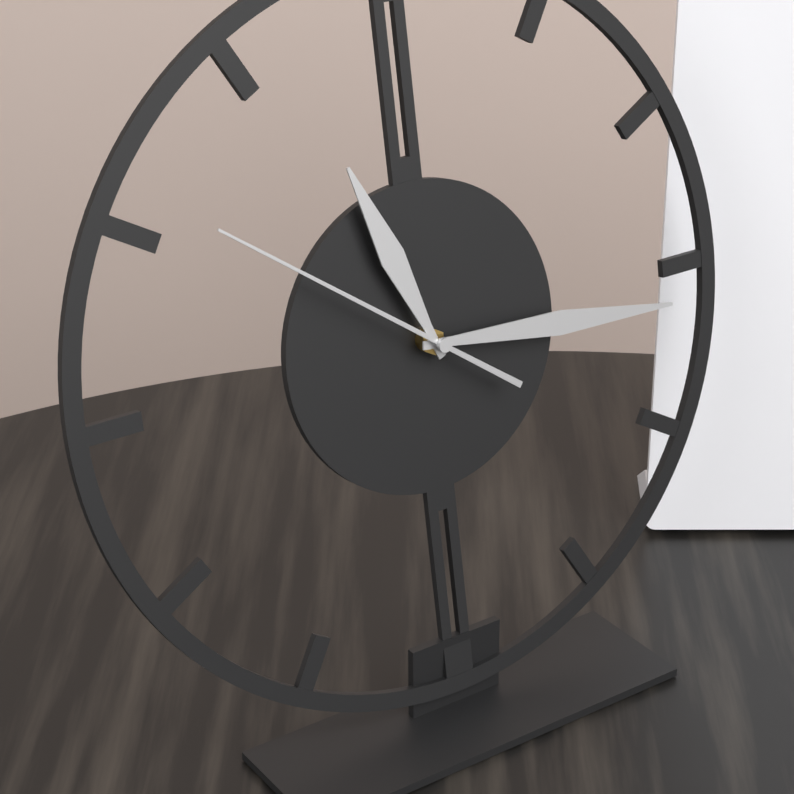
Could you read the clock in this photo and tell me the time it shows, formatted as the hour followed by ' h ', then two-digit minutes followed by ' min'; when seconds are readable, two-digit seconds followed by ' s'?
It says 11 h 16 min 51 s
